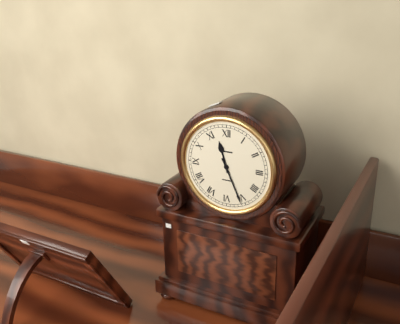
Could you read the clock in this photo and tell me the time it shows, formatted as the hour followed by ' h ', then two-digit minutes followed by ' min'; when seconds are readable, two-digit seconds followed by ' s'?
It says 11 h 26 min
